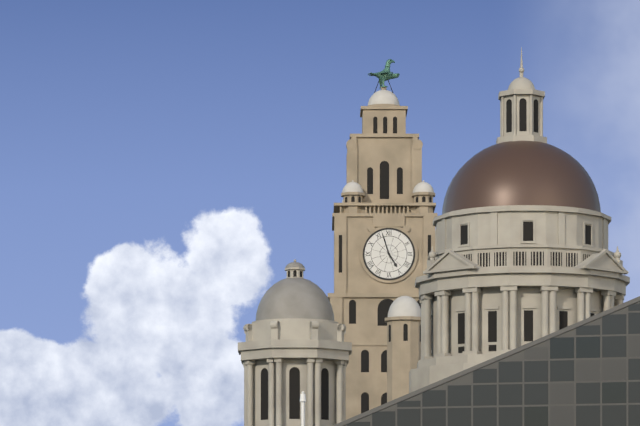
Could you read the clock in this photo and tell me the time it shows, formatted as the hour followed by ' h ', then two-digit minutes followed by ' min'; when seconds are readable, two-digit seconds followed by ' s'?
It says 4 h 57 min
